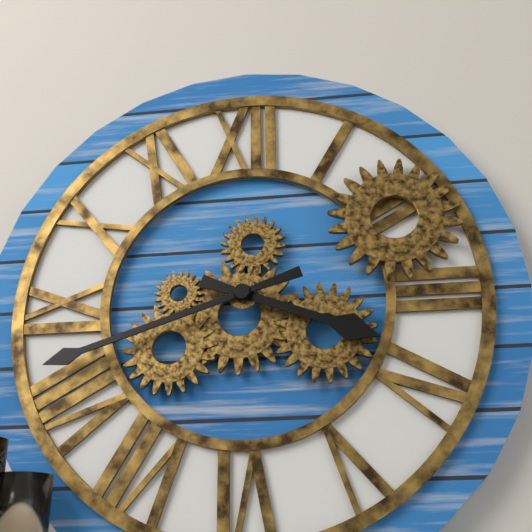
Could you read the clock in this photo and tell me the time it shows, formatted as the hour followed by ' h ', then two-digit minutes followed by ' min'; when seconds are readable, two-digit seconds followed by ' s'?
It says 3 h 42 min
